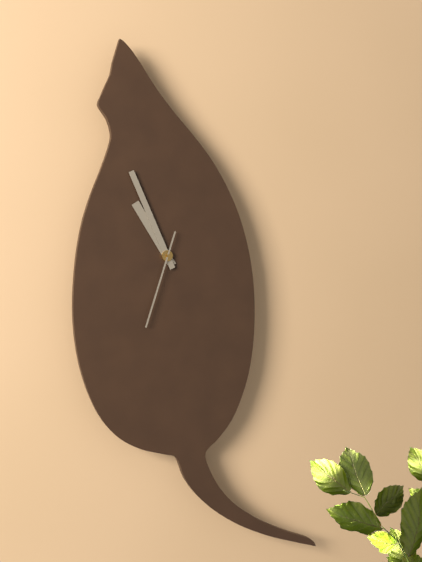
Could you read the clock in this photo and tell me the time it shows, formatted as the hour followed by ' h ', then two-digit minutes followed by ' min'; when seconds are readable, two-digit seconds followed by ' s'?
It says 10 h 56 min 33 s
